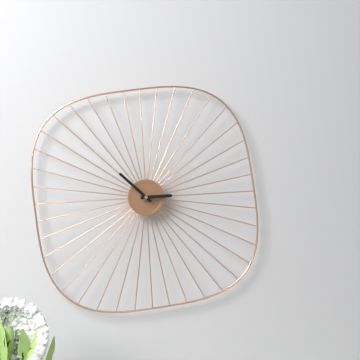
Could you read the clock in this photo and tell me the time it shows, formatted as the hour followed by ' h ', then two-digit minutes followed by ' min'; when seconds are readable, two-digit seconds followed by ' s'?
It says 2 h 52 min
